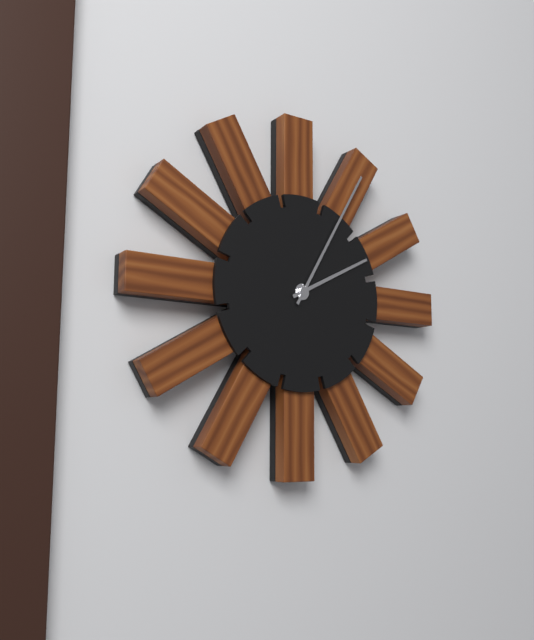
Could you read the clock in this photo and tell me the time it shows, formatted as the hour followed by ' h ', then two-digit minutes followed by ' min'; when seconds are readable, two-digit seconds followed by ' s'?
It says 2 h 05 min
